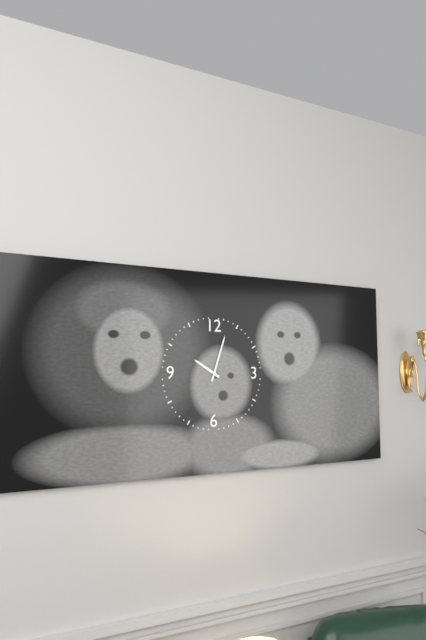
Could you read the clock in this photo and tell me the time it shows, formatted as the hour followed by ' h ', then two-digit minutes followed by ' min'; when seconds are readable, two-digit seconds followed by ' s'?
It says 10 h 03 min
